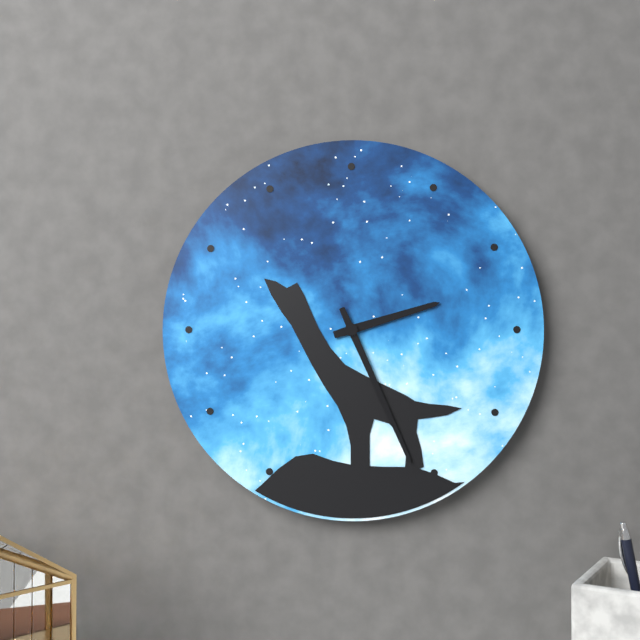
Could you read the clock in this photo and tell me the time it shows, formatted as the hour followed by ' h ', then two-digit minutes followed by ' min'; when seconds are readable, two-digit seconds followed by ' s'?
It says 2 h 26 min
